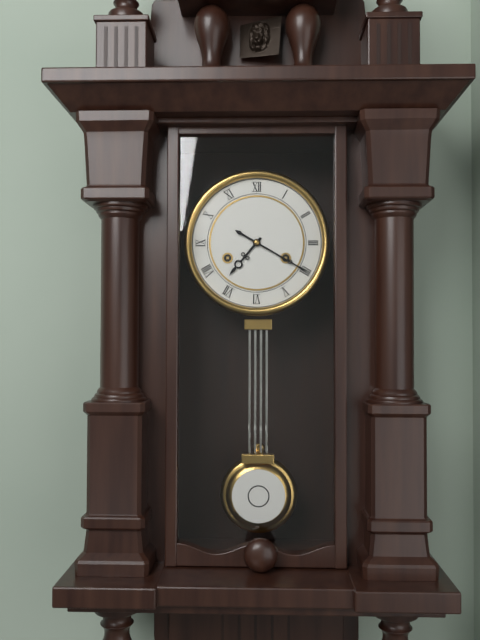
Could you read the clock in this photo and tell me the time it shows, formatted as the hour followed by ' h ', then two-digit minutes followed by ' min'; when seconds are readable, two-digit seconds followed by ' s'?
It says 7 h 20 min
